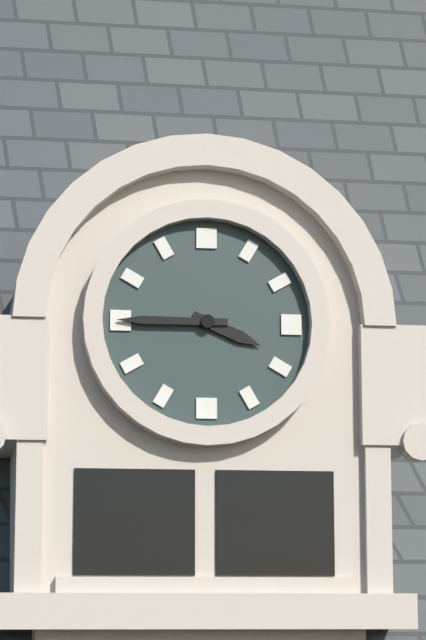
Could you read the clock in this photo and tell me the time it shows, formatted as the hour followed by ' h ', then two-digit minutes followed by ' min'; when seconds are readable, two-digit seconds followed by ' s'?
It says 3 h 45 min
